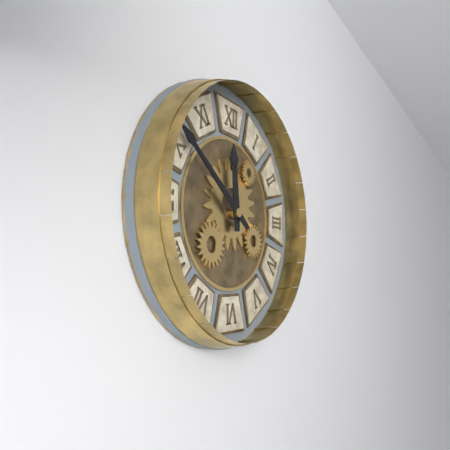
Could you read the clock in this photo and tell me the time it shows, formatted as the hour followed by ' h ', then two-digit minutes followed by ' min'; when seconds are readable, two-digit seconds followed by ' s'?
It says 11 h 51 min
